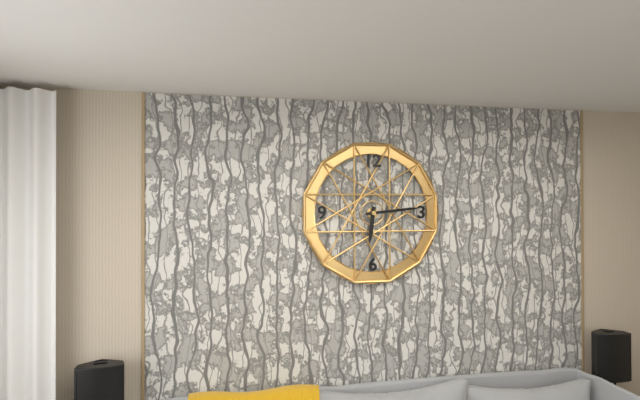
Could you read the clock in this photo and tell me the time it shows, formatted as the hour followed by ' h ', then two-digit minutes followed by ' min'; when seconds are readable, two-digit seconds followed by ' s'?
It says 6 h 14 min
